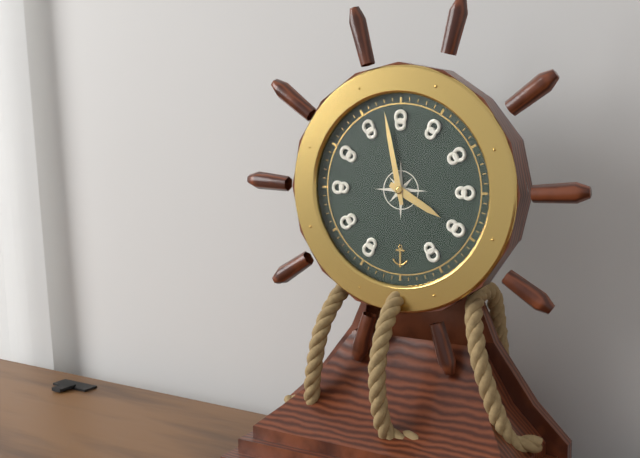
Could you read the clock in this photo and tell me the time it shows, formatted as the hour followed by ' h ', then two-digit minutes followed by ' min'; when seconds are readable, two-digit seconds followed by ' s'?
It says 3 h 58 min
